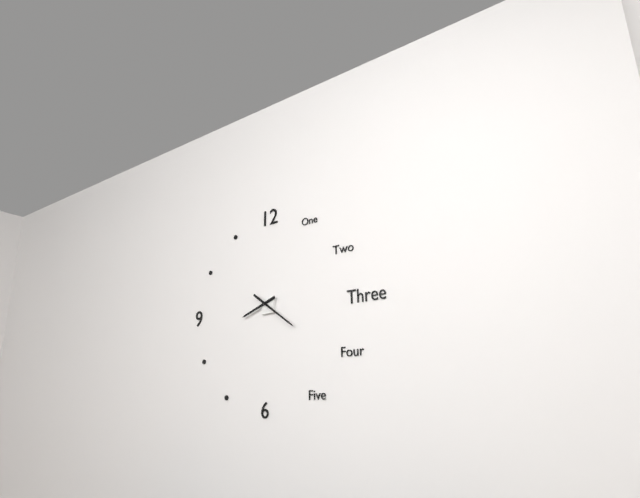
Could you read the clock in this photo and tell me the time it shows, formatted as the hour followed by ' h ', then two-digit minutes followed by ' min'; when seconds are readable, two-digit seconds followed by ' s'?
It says 8 h 21 min
